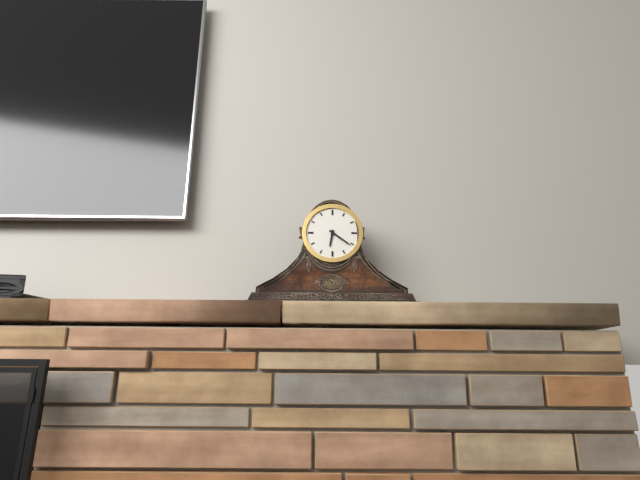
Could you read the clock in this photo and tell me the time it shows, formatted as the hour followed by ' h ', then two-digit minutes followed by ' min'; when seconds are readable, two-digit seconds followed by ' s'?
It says 6 h 21 min
